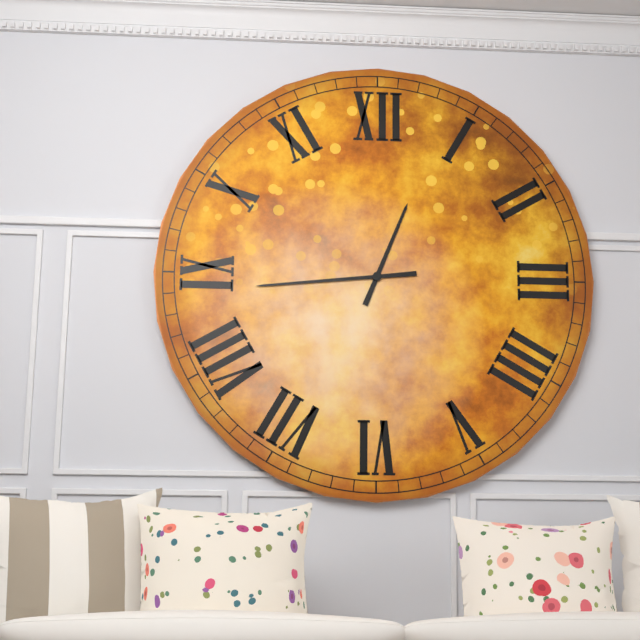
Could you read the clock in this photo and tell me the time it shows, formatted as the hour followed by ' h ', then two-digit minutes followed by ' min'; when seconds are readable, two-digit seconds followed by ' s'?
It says 12 h 44 min
